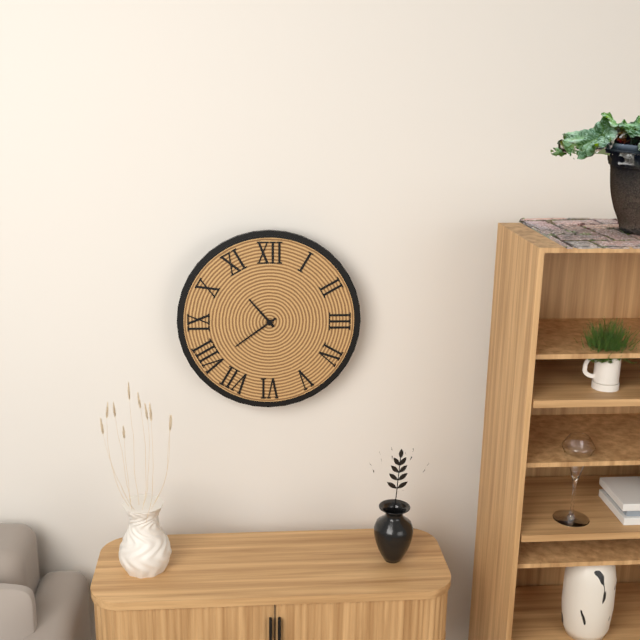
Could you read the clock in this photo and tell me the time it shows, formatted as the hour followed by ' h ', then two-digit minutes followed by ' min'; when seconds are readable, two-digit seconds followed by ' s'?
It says 10 h 39 min
